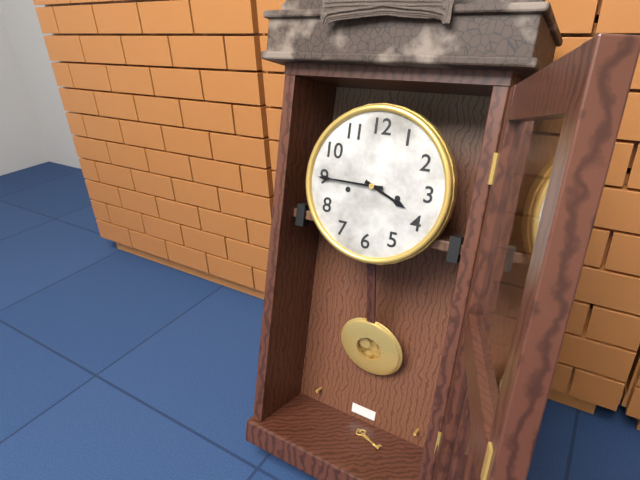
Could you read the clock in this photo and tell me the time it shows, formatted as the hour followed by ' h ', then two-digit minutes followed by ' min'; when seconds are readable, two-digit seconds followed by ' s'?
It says 3 h 45 min
